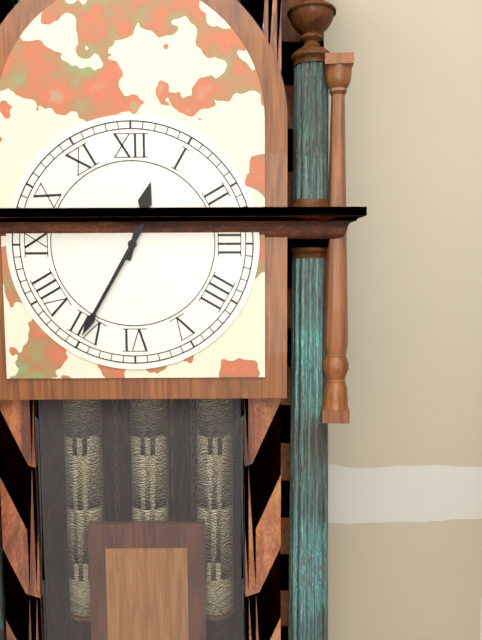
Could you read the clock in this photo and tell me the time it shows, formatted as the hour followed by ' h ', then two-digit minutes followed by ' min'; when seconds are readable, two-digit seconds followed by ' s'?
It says 12 h 35 min
